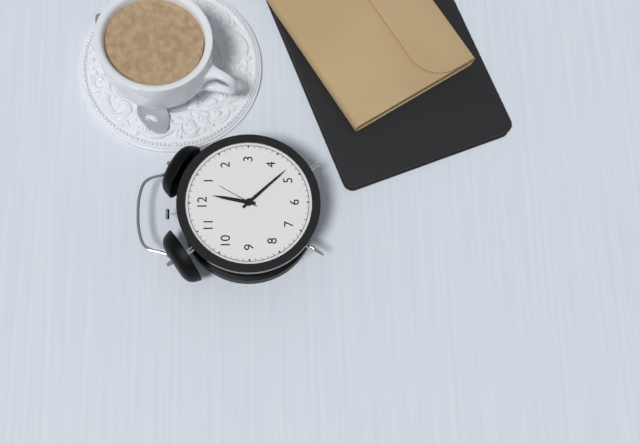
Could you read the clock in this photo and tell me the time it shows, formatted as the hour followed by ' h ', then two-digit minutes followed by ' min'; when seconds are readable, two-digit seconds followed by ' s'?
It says 12 h 23 min
